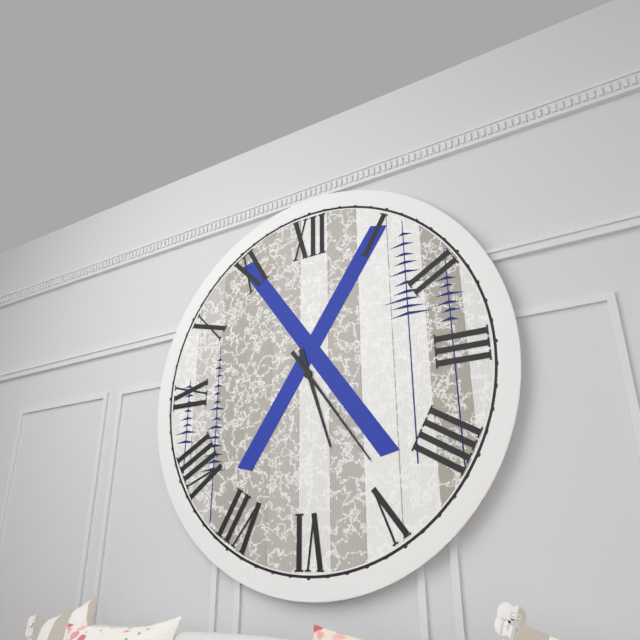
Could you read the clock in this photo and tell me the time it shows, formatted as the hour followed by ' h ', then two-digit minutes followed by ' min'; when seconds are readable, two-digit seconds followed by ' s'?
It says 5 h 24 min
